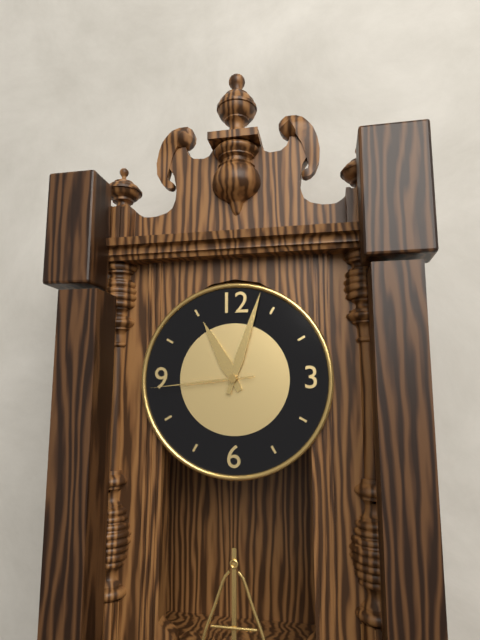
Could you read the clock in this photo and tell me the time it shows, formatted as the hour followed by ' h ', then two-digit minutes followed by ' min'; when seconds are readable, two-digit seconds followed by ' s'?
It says 11 h 03 min 44 s
